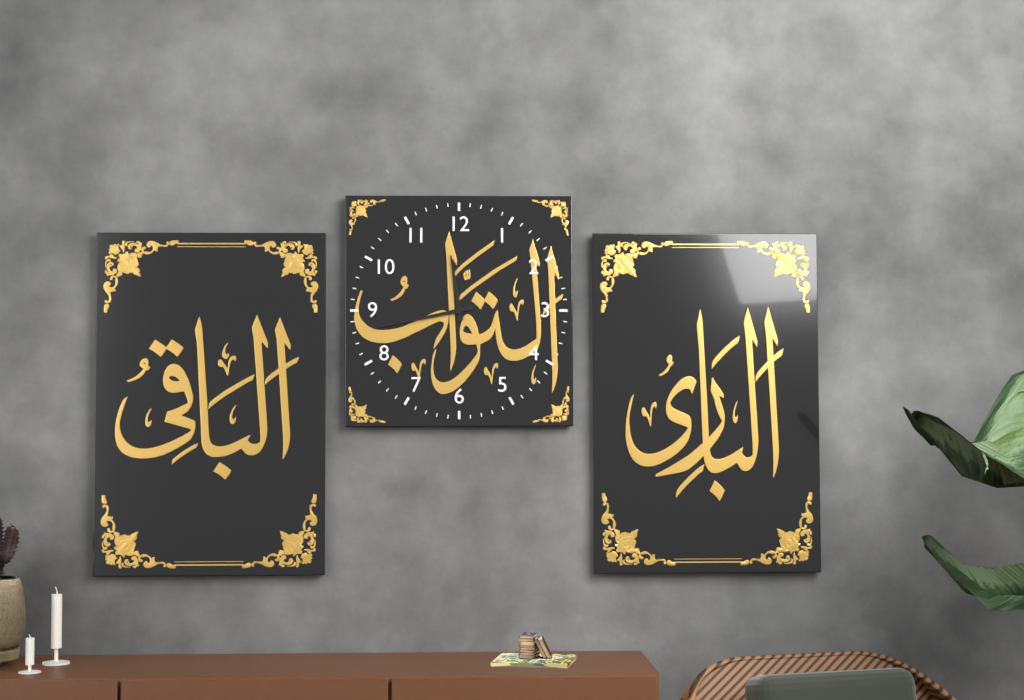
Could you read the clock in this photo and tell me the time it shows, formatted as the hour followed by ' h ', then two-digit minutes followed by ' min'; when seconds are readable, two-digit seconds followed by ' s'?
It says 11 h 43 min
